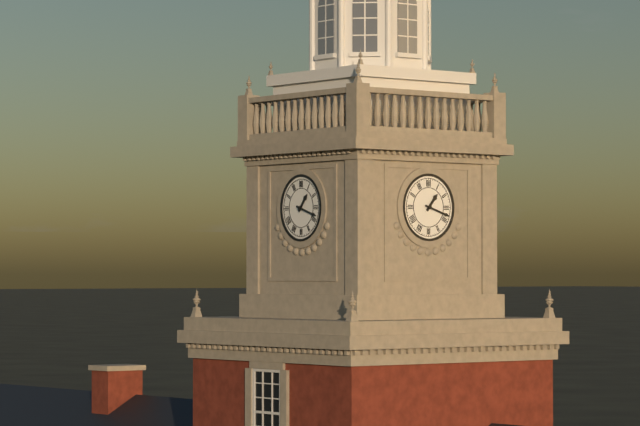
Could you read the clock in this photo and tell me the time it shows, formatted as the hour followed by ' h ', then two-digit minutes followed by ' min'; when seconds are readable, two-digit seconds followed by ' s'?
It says 1 h 18 min
